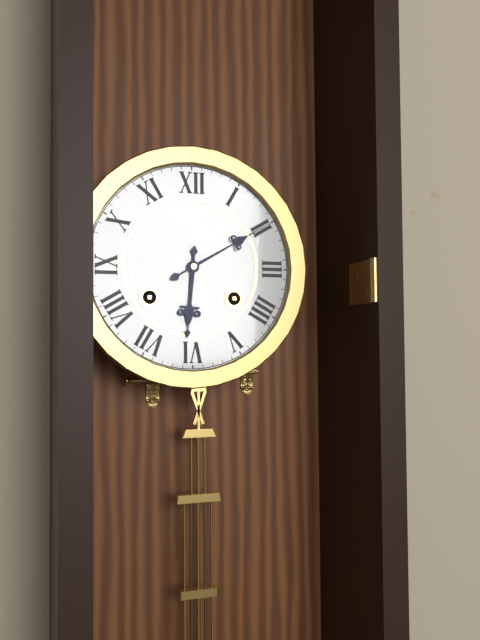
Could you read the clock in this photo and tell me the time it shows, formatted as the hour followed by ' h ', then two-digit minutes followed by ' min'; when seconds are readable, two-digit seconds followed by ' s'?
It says 6 h 10 min
